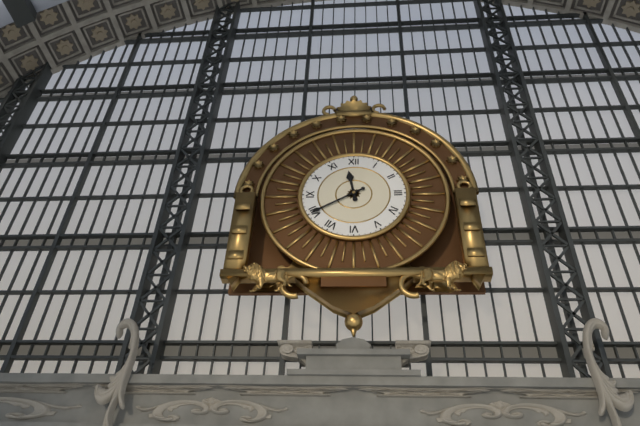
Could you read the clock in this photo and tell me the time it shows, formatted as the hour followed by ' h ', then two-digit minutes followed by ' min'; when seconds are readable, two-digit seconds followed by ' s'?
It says 11 h 40 min
